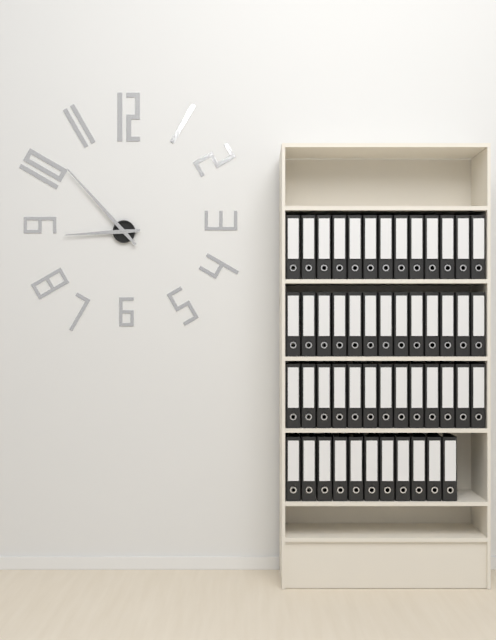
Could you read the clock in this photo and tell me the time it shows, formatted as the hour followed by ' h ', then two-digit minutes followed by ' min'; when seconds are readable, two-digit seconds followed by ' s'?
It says 8 h 53 min
